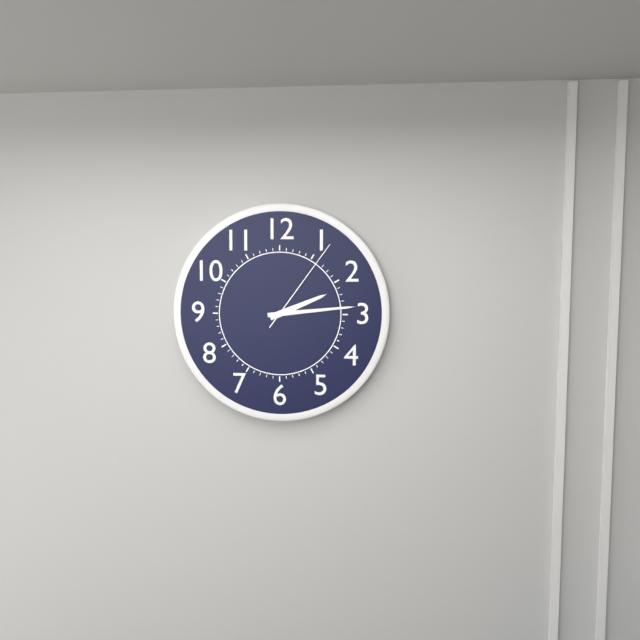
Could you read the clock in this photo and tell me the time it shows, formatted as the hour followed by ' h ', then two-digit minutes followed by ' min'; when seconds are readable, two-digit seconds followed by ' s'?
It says 2 h 14 min 06 s
